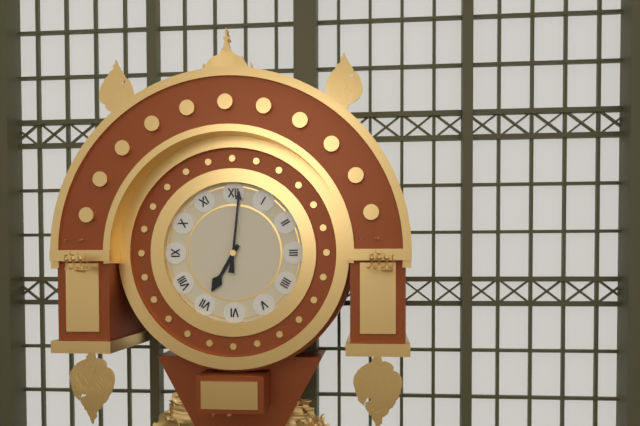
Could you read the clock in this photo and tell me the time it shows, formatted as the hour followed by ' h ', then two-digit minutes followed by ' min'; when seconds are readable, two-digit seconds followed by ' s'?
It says 7 h 01 min
